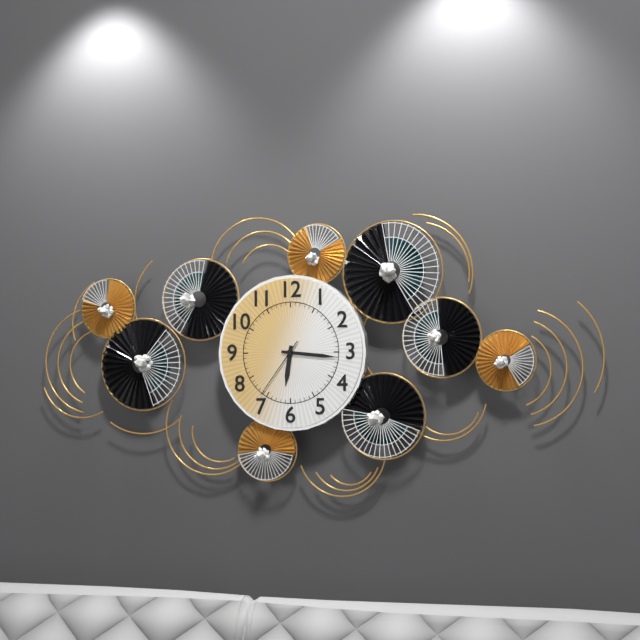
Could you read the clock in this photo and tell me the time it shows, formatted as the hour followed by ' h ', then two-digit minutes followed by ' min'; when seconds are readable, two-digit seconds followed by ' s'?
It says 6 h 16 min 36 s
